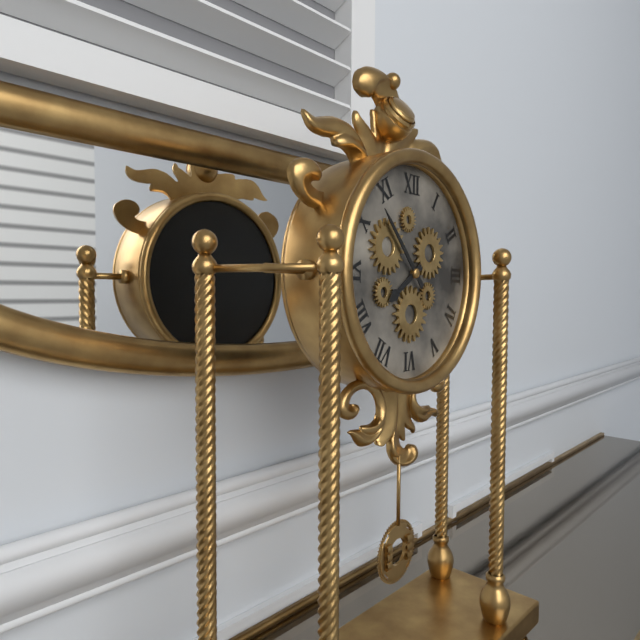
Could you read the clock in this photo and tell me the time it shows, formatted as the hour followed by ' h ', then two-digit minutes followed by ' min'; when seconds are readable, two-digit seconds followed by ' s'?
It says 7 h 53 min
